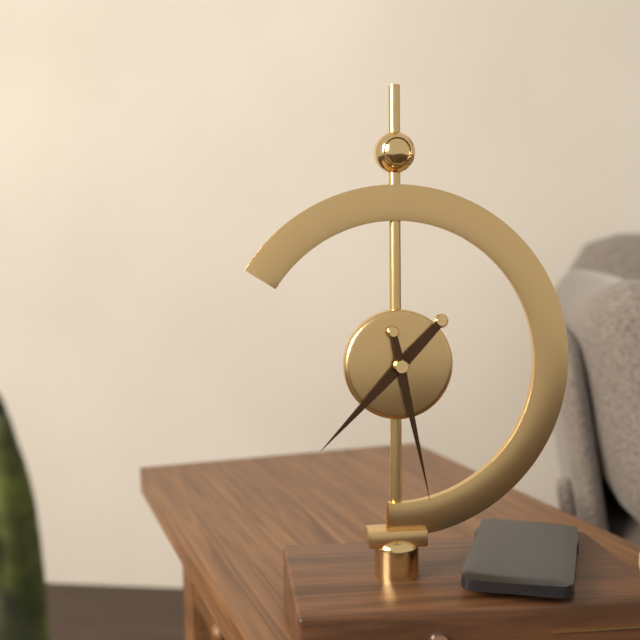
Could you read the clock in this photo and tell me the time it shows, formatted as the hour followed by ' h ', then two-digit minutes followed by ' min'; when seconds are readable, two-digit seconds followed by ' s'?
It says 7 h 28 min
